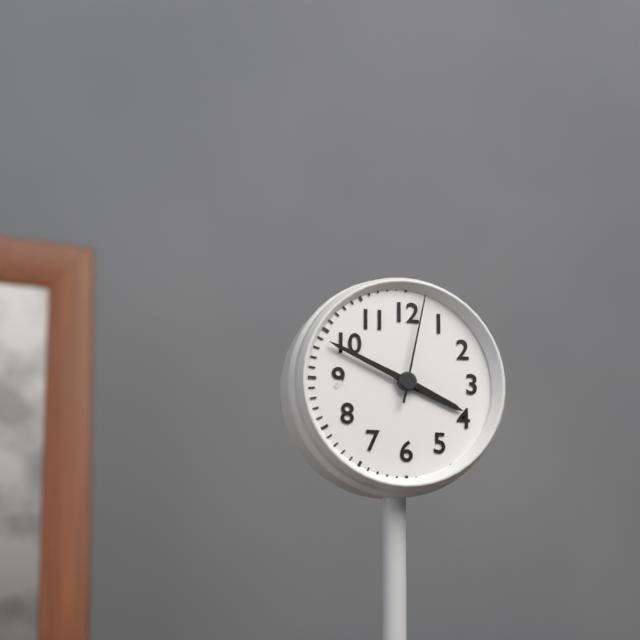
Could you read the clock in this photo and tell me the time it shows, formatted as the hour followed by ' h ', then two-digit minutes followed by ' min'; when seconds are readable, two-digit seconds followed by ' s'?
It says 3 h 49 min 02 s
